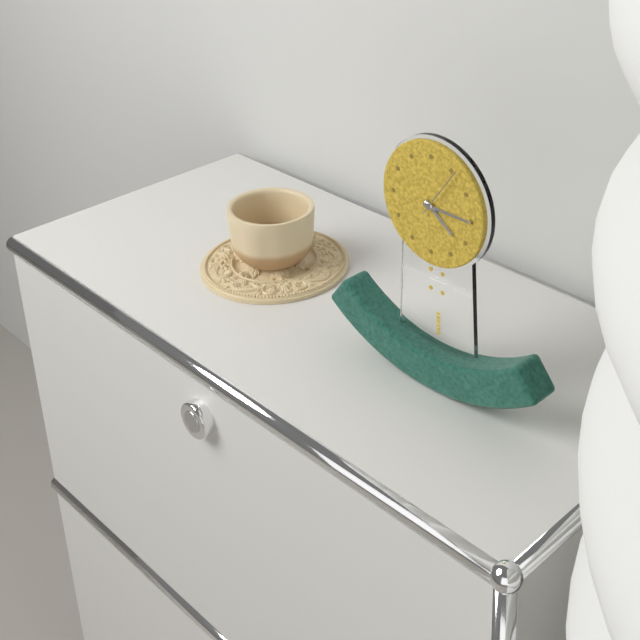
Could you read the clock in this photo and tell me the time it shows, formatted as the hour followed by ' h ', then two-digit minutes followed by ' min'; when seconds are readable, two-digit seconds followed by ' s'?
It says 4 h 15 min 06 s
